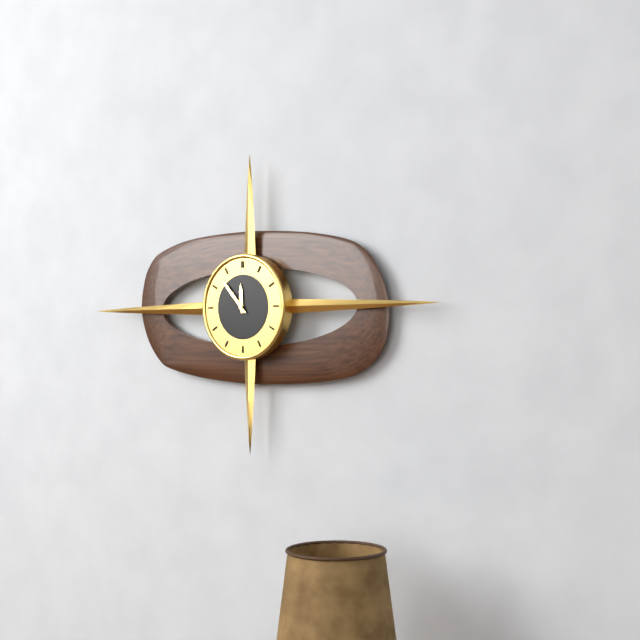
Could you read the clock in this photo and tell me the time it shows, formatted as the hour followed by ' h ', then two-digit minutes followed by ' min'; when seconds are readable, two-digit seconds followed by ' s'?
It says 11 h 53 min
